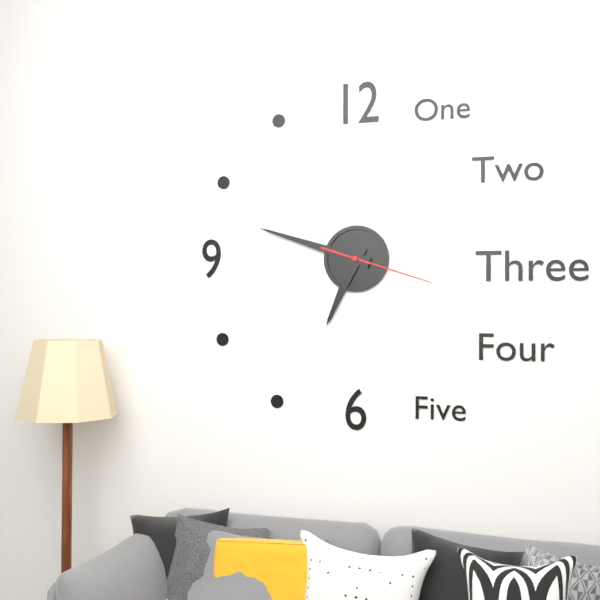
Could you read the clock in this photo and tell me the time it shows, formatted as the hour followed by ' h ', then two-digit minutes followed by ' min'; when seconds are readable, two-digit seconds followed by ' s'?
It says 6 h 48 min 18 s
